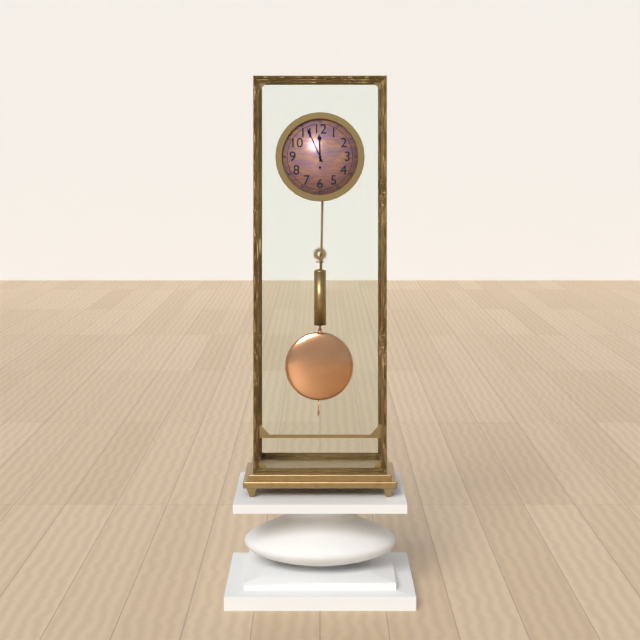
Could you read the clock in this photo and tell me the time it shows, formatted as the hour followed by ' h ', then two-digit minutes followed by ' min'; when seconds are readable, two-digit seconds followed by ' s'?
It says 11 h 56 min
